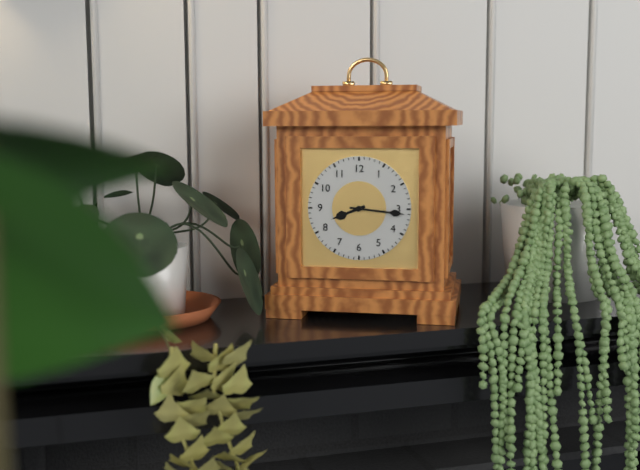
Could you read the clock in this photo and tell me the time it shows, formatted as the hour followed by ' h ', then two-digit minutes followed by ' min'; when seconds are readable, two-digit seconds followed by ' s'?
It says 8 h 16 min
